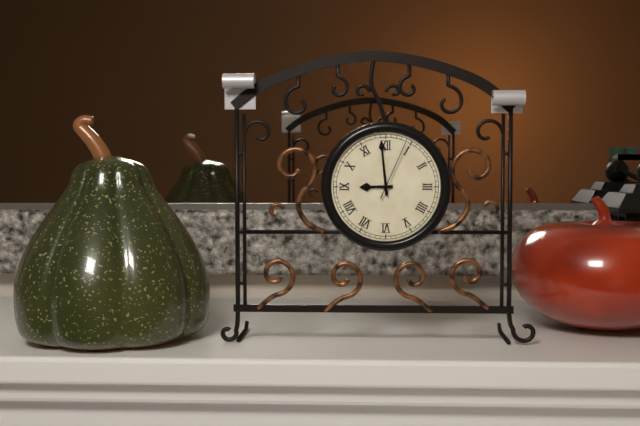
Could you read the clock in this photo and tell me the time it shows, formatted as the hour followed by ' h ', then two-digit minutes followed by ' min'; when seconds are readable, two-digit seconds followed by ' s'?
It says 8 h 59 min 04 s
